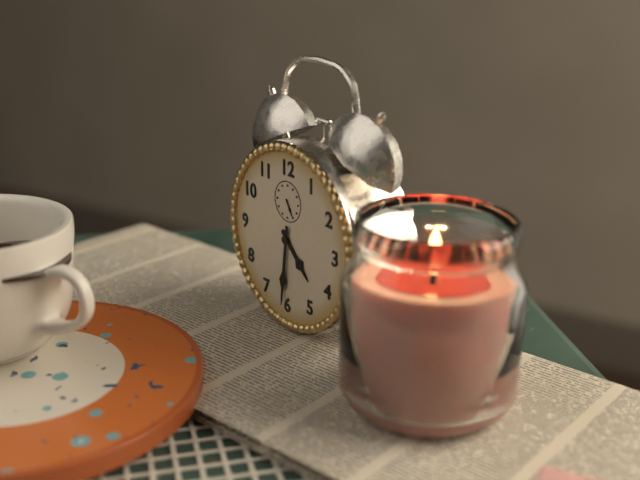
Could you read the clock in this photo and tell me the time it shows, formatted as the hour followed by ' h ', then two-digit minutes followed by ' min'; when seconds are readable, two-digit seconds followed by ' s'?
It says 4 h 31 min
